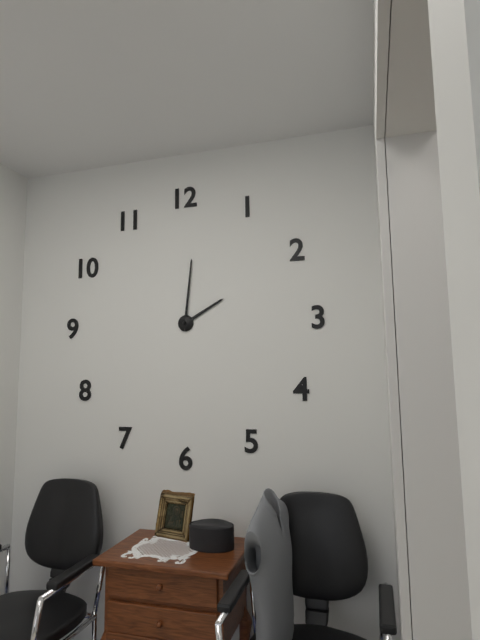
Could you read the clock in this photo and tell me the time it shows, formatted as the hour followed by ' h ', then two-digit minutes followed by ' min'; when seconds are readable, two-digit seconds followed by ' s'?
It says 2 h 01 min
